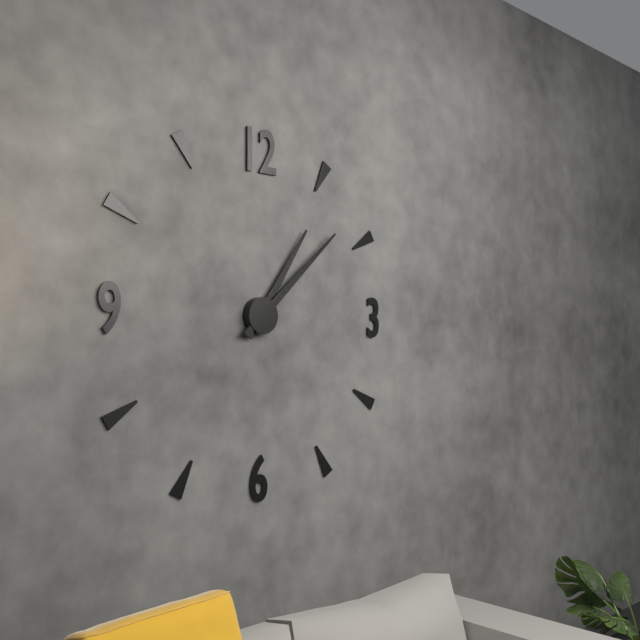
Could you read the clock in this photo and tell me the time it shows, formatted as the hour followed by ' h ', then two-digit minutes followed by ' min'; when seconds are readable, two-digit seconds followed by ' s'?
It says 1 h 08 min
